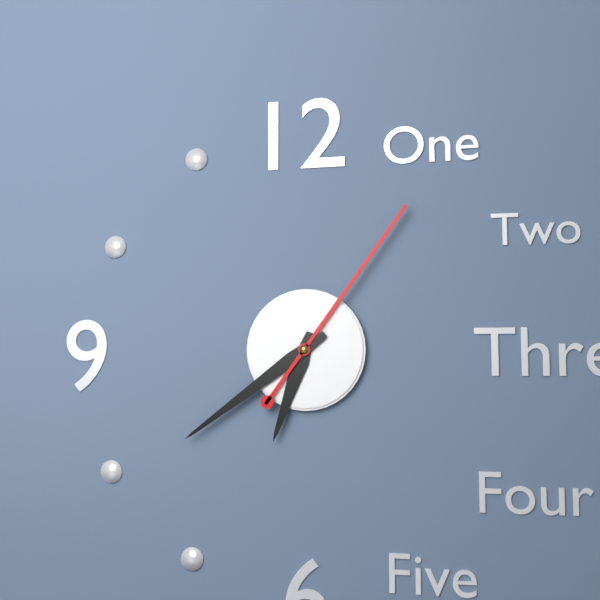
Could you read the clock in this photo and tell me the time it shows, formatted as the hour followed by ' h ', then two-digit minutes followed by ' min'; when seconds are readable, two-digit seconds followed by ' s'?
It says 6 h 39 min 06 s
